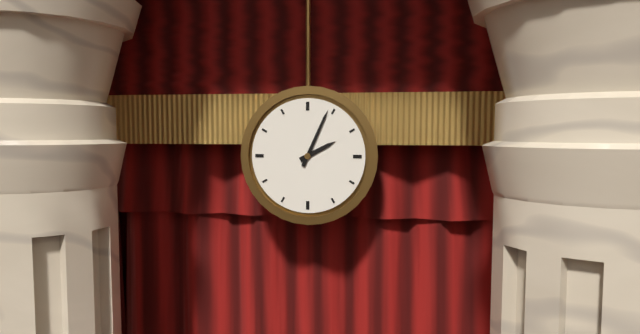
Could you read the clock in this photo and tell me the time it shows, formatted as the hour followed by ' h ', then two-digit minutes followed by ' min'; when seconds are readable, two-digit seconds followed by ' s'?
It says 2 h 04 min
